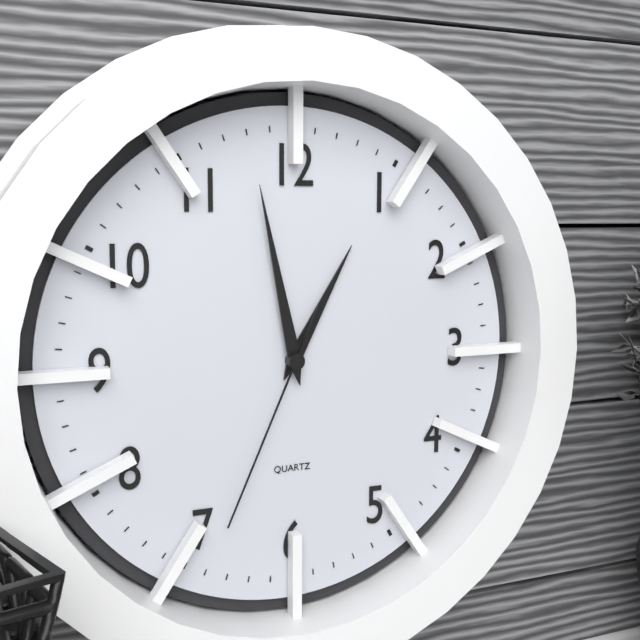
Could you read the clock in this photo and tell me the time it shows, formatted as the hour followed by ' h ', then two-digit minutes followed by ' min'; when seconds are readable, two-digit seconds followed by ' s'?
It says 12 h 58 min 34 s
